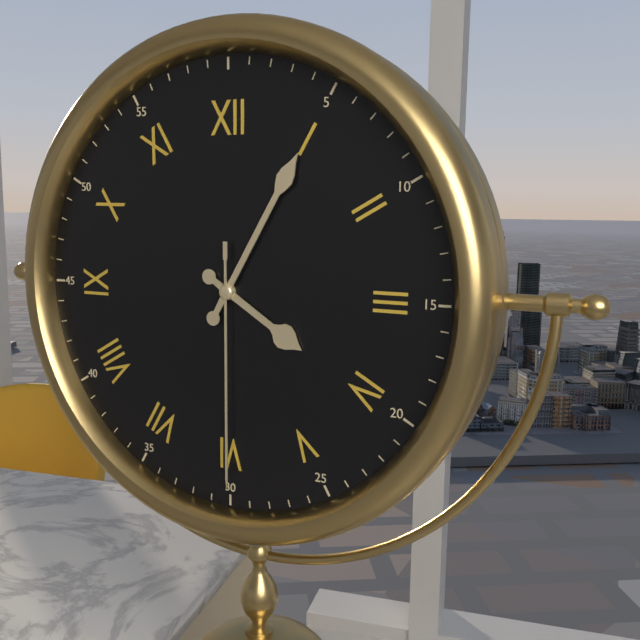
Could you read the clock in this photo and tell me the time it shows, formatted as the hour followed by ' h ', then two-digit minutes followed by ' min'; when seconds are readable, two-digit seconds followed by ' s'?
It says 4 h 05 min 30 s
